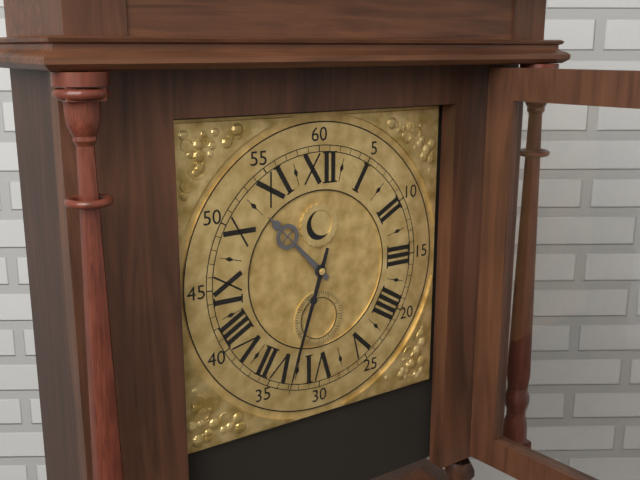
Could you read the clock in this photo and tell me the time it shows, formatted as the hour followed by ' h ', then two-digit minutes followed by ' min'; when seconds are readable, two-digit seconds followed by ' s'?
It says 10 h 33 min
